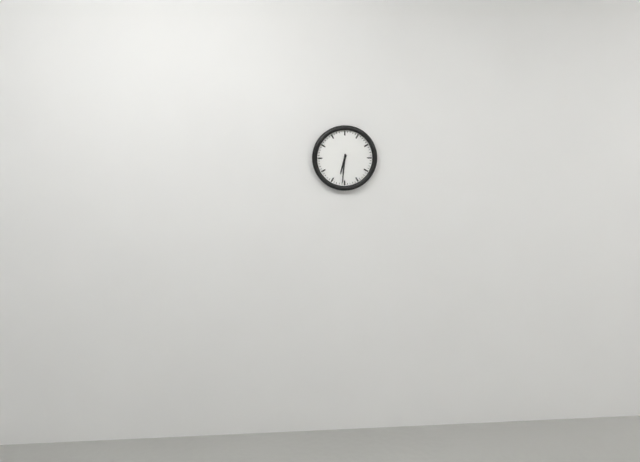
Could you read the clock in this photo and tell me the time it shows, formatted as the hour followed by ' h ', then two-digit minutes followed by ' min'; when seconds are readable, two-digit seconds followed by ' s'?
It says 6 h 31 min
